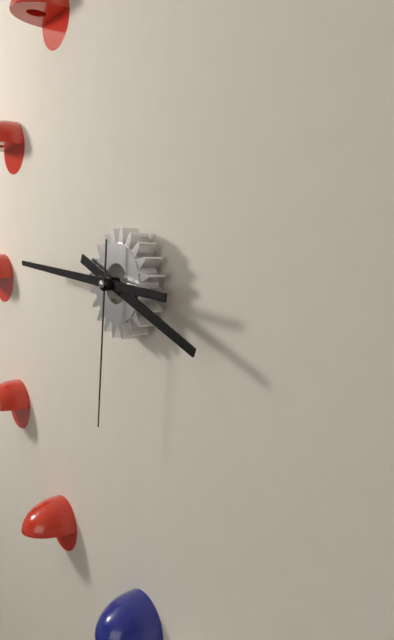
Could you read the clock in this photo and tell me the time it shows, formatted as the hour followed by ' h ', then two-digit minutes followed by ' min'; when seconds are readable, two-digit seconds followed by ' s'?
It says 3 h 46 min 31 s
